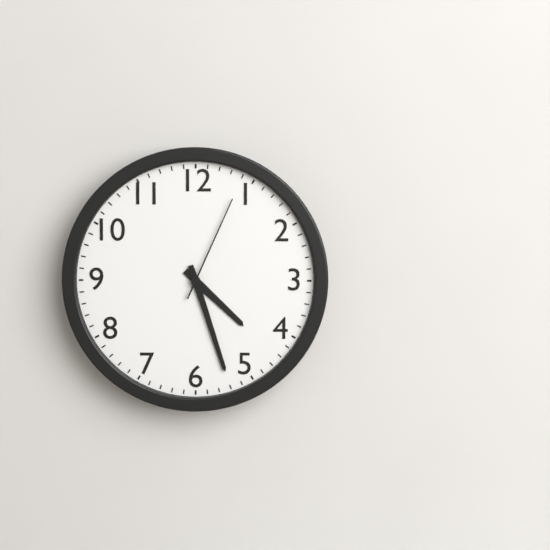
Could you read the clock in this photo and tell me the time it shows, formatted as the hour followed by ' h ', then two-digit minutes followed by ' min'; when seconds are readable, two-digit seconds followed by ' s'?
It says 4 h 27 min 04 s
